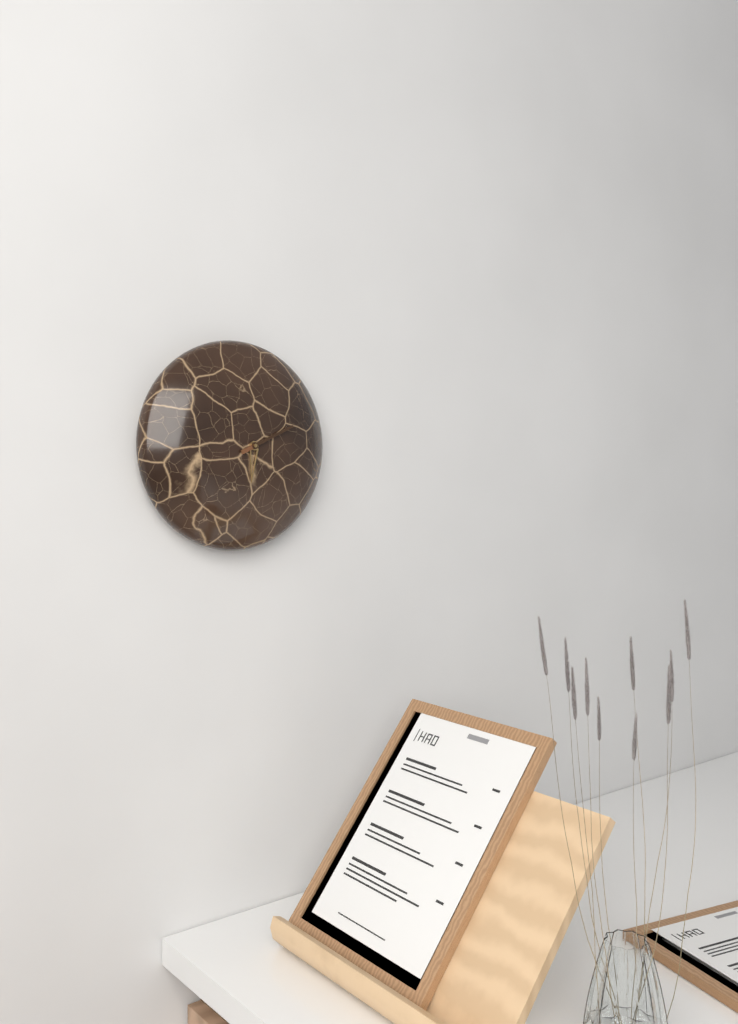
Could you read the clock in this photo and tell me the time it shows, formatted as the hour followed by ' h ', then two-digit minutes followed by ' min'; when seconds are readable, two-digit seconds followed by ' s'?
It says 6 h 11 min
